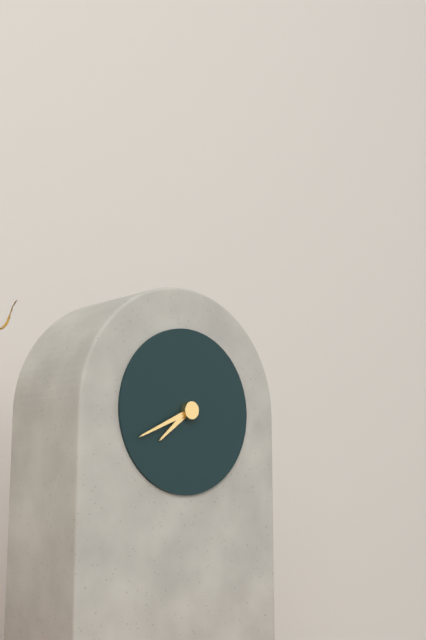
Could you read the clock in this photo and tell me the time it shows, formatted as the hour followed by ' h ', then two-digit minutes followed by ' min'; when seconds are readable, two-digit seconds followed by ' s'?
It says 7 h 41 min
